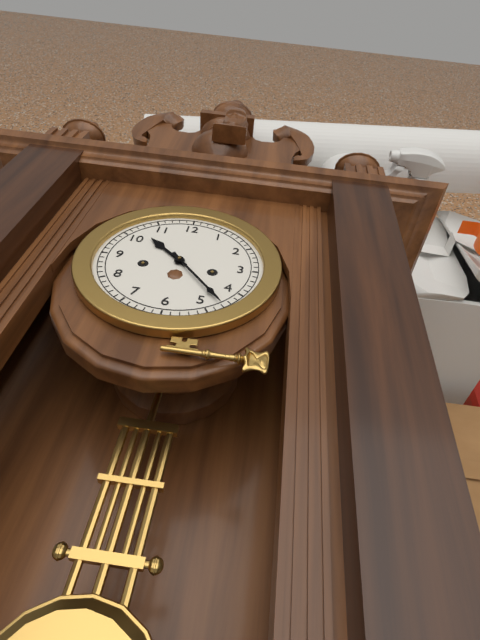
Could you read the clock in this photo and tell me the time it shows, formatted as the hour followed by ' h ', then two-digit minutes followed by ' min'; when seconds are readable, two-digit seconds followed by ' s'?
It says 10 h 23 min
